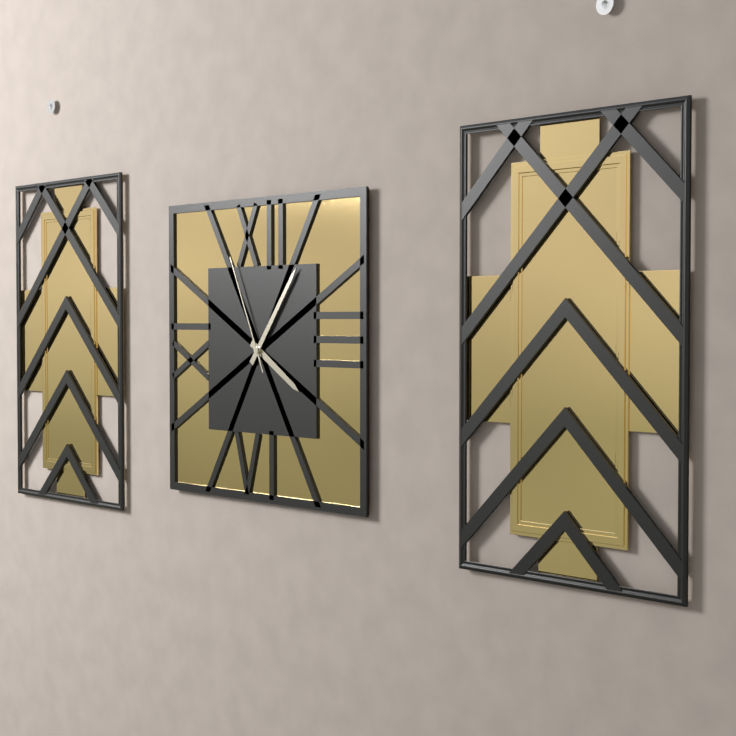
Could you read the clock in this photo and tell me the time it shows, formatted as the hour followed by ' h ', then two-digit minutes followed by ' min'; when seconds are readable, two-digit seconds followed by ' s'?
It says 4 h 06 min 56 s
